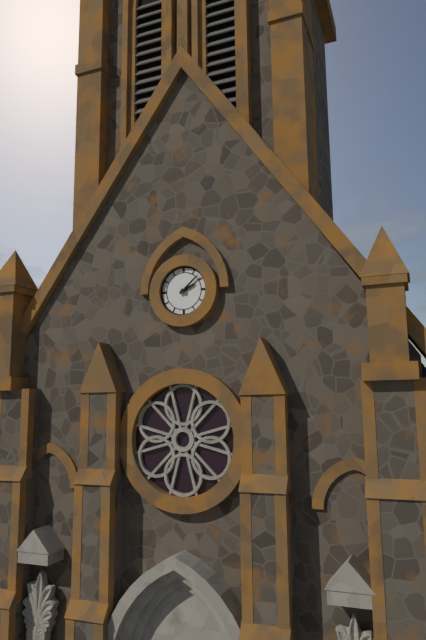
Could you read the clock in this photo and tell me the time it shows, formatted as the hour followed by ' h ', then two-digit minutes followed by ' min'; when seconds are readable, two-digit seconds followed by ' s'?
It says 2 h 08 min
